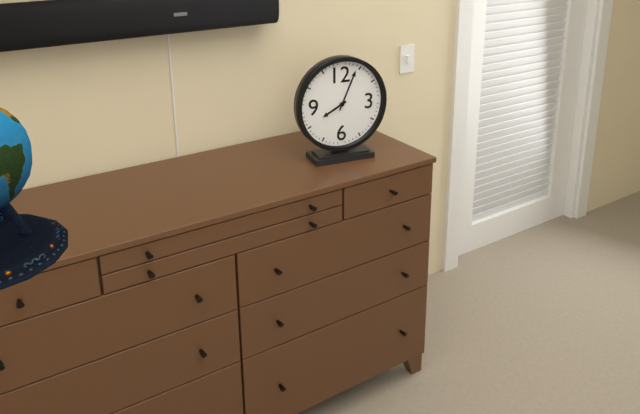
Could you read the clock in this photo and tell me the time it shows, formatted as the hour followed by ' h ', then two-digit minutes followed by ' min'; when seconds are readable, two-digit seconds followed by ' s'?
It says 8 h 04 min
